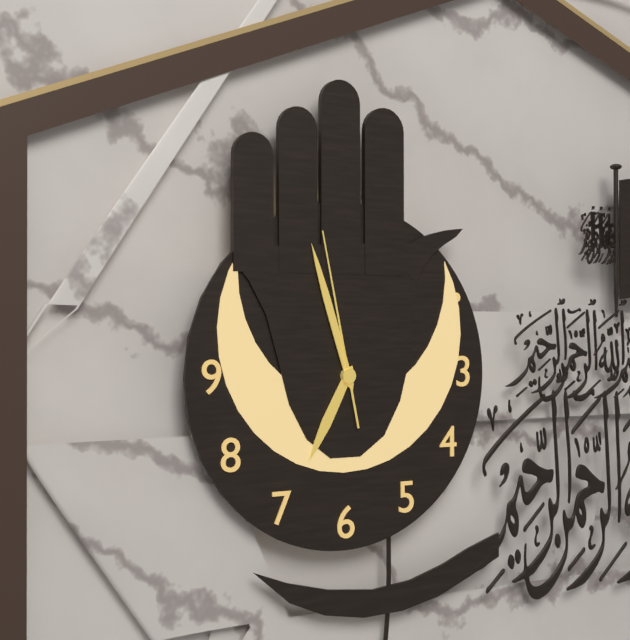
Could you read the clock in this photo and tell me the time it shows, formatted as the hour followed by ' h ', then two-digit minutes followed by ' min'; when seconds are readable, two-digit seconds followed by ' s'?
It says 6 h 57 min 58 s
